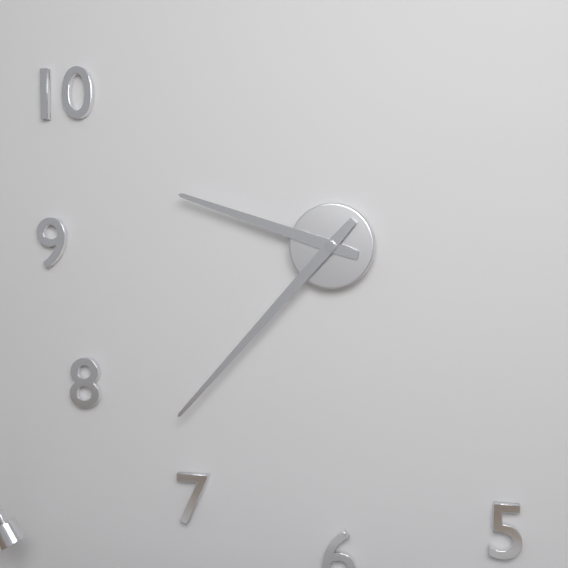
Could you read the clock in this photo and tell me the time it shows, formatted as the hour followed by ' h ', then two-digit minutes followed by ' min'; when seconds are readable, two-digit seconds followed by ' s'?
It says 9 h 37 min
